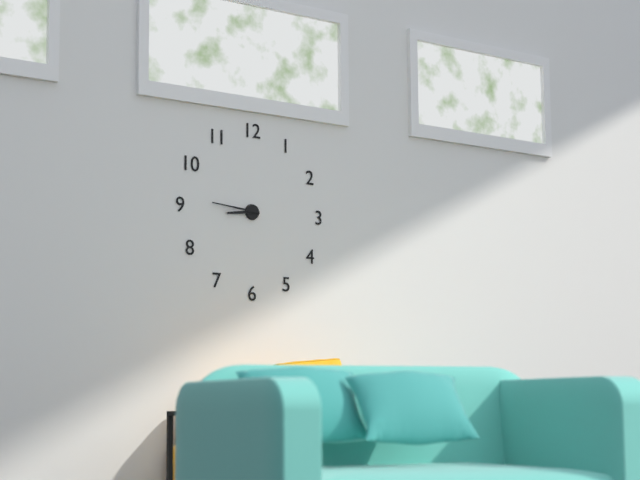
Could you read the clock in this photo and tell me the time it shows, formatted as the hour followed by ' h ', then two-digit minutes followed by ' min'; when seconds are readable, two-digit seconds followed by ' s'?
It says 8 h 46 min
